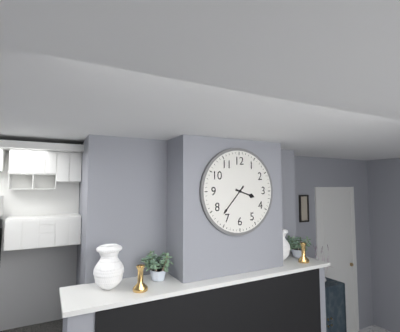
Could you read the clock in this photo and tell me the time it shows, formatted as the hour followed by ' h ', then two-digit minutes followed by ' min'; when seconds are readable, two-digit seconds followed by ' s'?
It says 3 h 37 min
